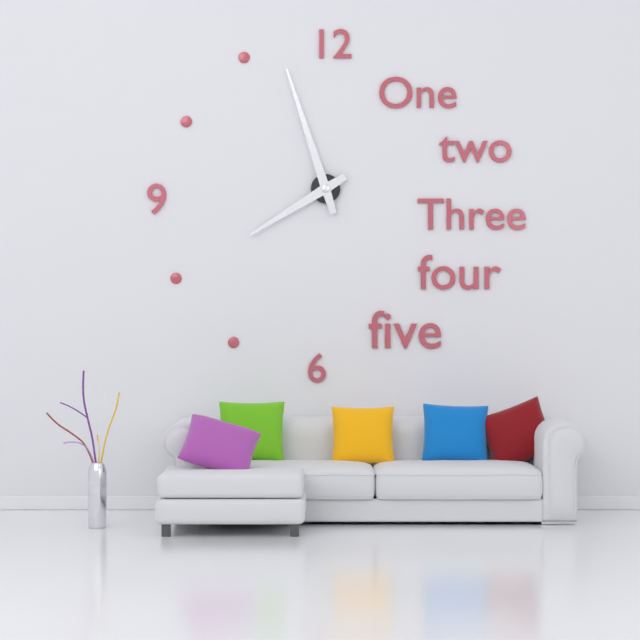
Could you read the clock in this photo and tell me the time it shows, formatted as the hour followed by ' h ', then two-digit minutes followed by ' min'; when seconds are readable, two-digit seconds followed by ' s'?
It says 7 h 57 min
